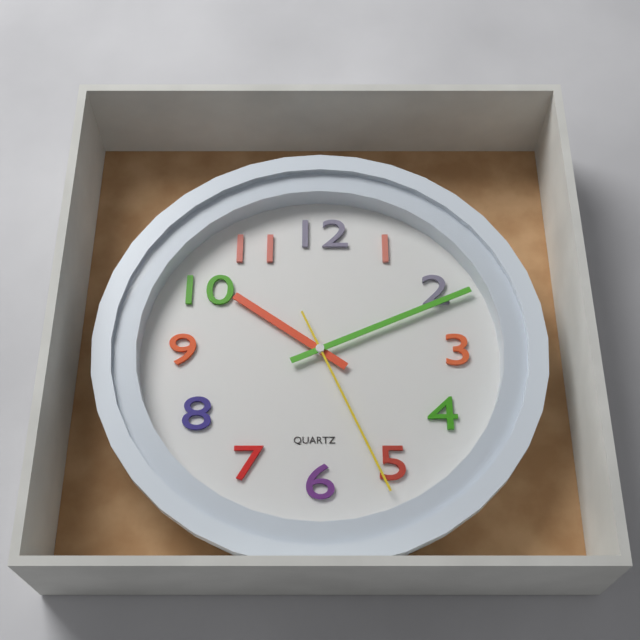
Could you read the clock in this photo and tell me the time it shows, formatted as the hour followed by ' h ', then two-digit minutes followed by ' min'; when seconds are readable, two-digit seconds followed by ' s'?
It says 10 h 11 min 26 s
